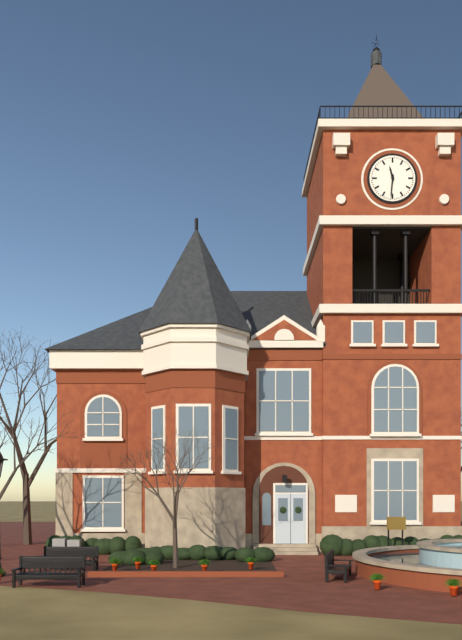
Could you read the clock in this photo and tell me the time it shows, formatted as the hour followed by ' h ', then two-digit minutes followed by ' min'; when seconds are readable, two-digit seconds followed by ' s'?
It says 11 h 31 min
